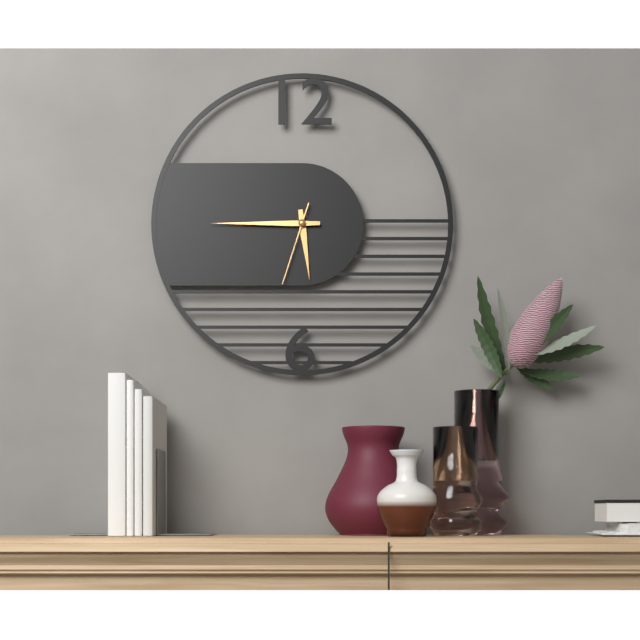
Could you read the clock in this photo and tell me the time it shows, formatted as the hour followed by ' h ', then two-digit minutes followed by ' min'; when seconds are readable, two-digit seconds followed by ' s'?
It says 5 h 45 min 33 s
